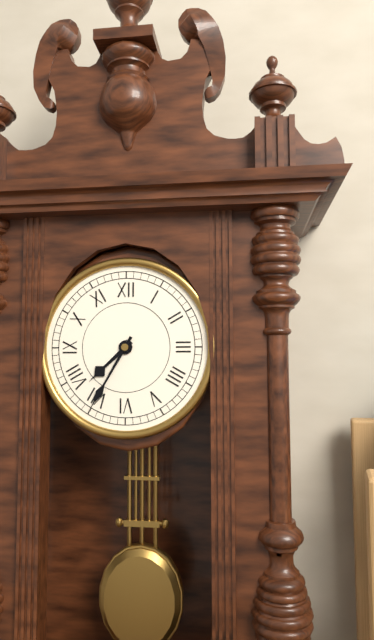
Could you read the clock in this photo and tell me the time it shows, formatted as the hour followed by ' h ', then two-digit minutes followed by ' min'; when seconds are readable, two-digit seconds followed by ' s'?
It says 7 h 35 min
